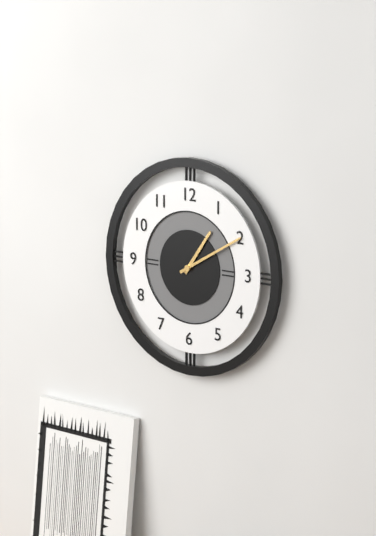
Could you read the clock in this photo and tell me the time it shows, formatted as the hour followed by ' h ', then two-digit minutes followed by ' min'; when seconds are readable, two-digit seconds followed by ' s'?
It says 1 h 10 min
